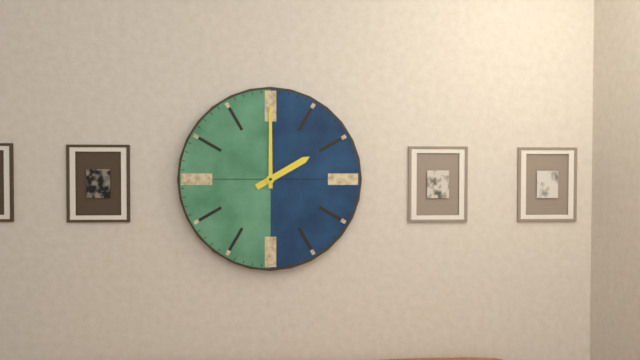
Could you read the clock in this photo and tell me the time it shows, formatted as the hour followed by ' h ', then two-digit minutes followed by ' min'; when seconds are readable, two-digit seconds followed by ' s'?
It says 2 h 00 min
